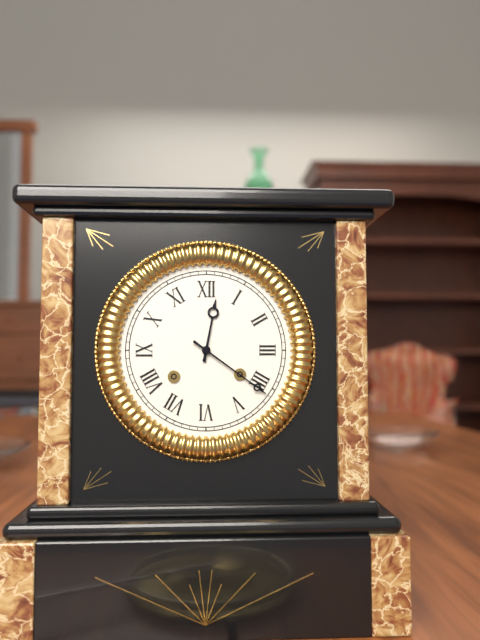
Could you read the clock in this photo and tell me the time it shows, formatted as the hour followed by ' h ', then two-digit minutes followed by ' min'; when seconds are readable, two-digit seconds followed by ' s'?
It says 12 h 21 min
